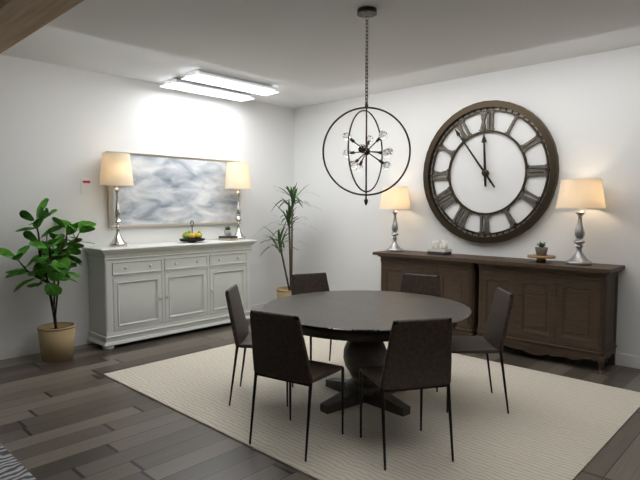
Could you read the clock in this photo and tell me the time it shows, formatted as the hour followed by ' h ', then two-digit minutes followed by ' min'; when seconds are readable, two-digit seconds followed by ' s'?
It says 11 h 54 min
